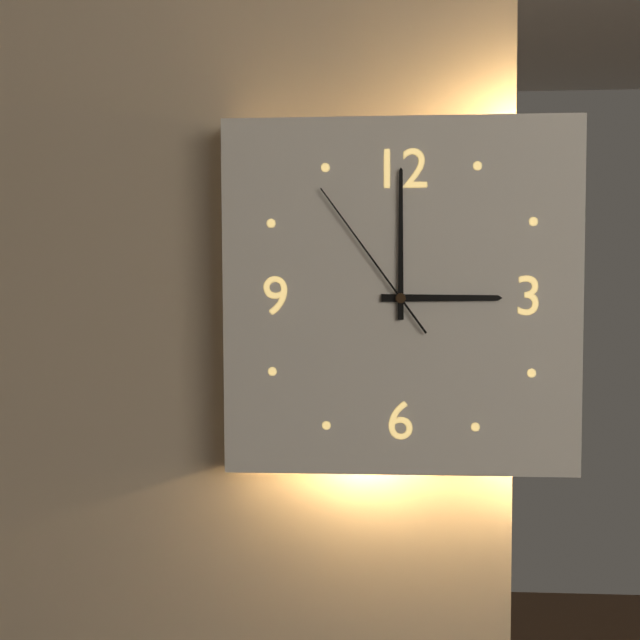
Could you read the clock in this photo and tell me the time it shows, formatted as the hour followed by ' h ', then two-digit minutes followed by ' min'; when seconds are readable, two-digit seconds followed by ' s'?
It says 3 h 00 min 54 s
